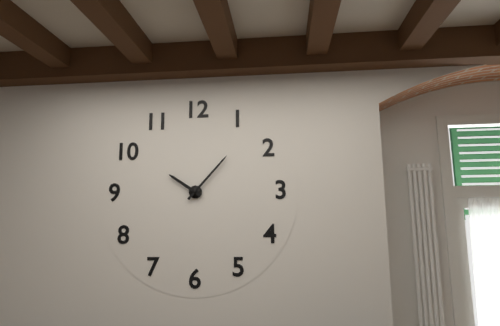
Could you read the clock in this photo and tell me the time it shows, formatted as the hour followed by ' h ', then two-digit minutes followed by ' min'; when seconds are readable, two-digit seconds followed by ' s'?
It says 10 h 07 min
